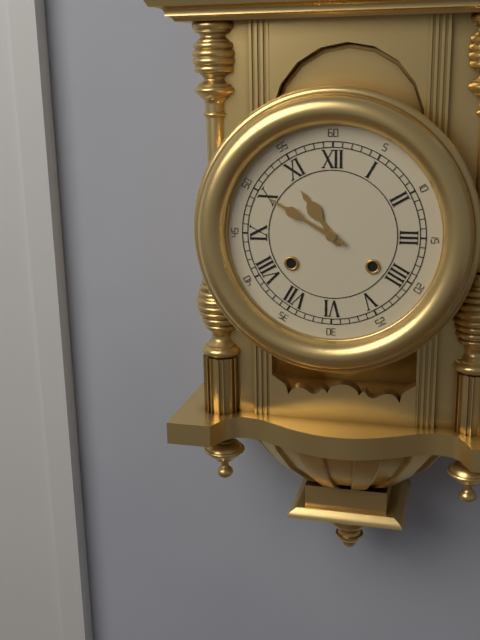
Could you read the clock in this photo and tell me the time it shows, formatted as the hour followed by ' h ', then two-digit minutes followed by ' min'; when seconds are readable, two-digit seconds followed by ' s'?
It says 10 h 50 min
